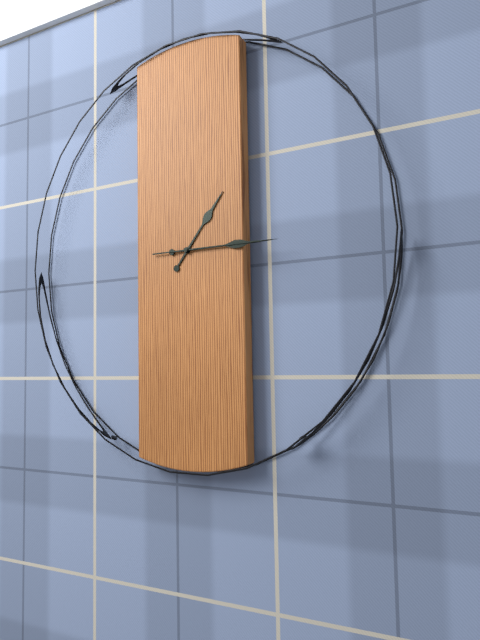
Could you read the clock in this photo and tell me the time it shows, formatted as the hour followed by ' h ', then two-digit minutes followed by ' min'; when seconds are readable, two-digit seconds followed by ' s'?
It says 1 h 15 min 15 s
